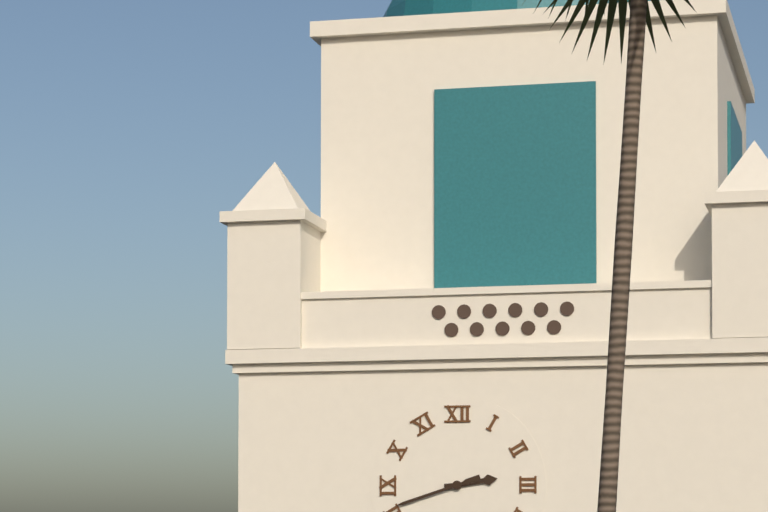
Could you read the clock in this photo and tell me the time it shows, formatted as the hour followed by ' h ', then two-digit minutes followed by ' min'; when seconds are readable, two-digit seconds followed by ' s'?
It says 2 h 42 min
